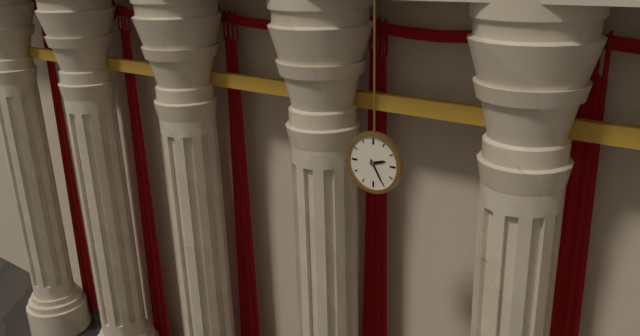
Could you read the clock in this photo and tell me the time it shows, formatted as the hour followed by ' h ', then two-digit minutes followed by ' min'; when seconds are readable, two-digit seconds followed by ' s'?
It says 2 h 25 min
